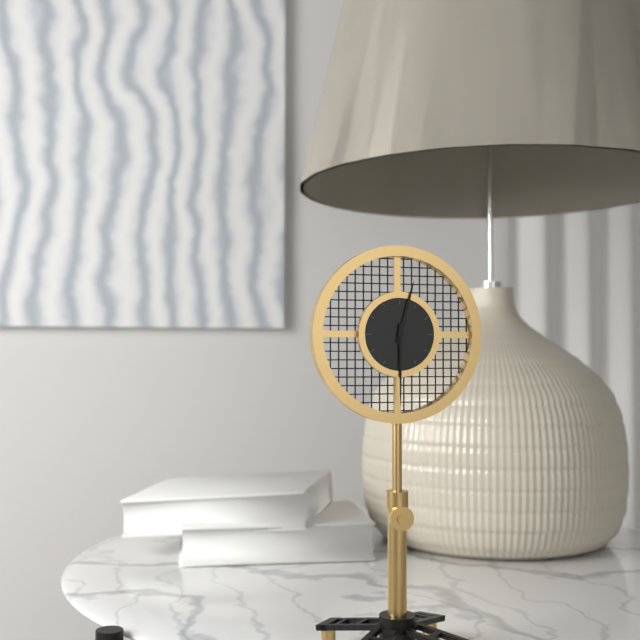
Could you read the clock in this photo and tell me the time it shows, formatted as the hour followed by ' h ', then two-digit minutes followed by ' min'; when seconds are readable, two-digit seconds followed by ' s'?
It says 12 h 30 min
